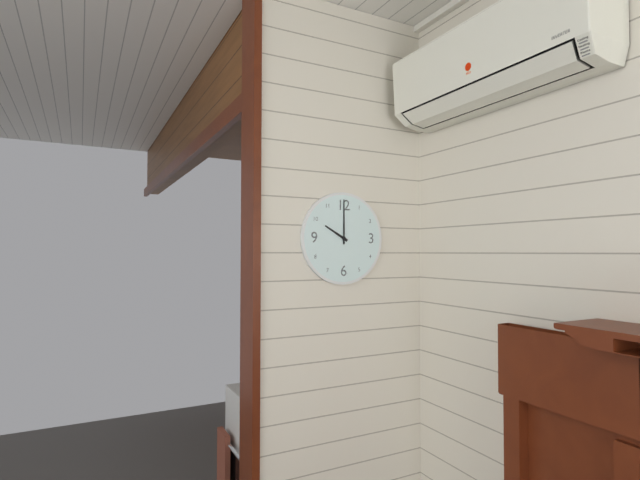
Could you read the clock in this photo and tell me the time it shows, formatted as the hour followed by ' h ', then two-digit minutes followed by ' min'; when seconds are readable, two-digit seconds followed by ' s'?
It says 10 h 00 min
